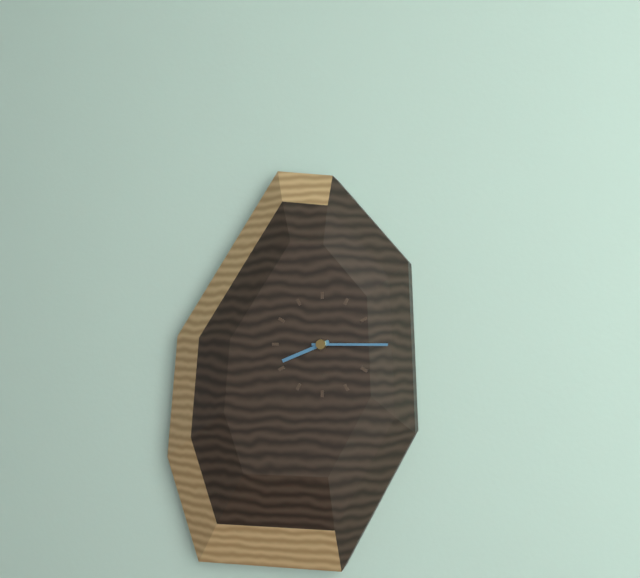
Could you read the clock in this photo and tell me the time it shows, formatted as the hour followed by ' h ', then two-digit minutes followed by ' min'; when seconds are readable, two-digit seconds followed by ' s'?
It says 8 h 15 min
